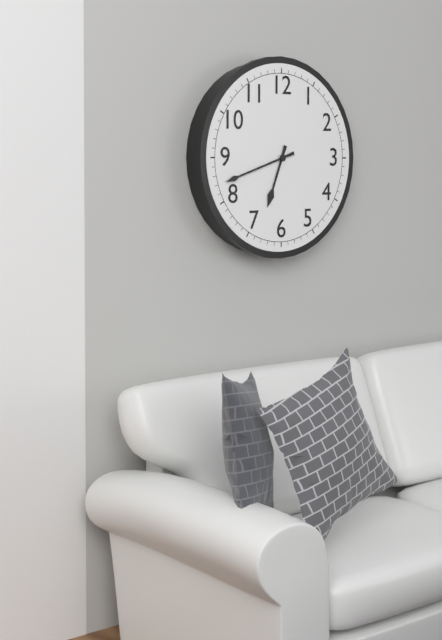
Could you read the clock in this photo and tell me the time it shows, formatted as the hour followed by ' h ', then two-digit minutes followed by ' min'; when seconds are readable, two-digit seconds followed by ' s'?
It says 6 h 42 min
